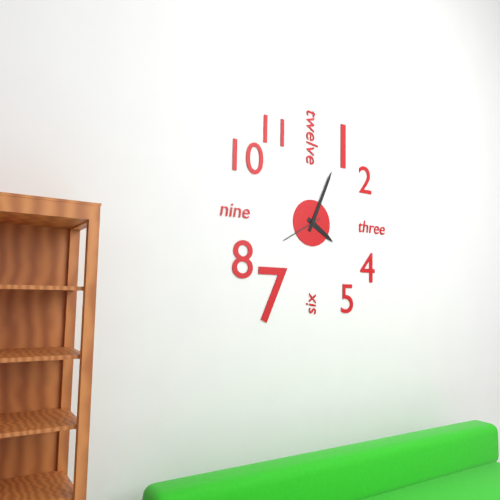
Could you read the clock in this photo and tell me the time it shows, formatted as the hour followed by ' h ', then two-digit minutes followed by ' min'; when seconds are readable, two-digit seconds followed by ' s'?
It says 4 h 04 min
